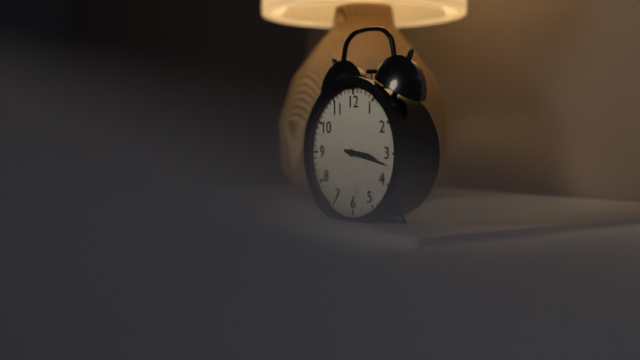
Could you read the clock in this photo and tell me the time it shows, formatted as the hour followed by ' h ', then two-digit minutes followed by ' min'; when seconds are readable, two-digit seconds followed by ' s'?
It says 3 h 17 min
